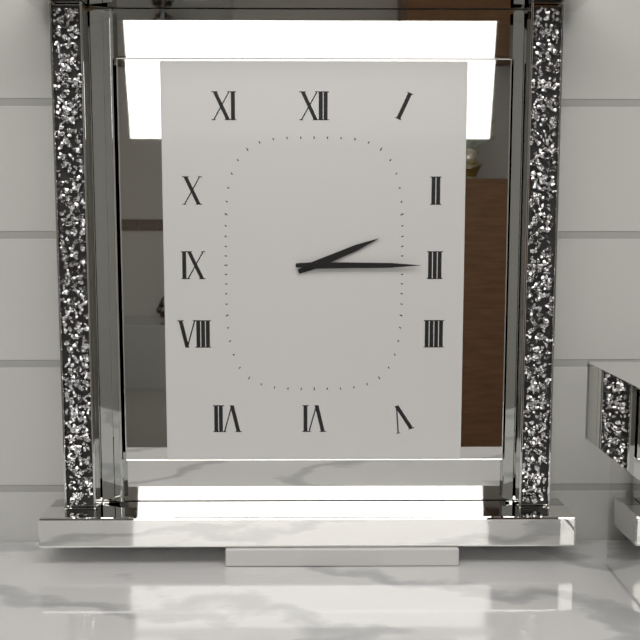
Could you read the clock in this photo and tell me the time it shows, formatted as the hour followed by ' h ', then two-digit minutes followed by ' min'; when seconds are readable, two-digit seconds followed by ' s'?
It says 2 h 15 min
